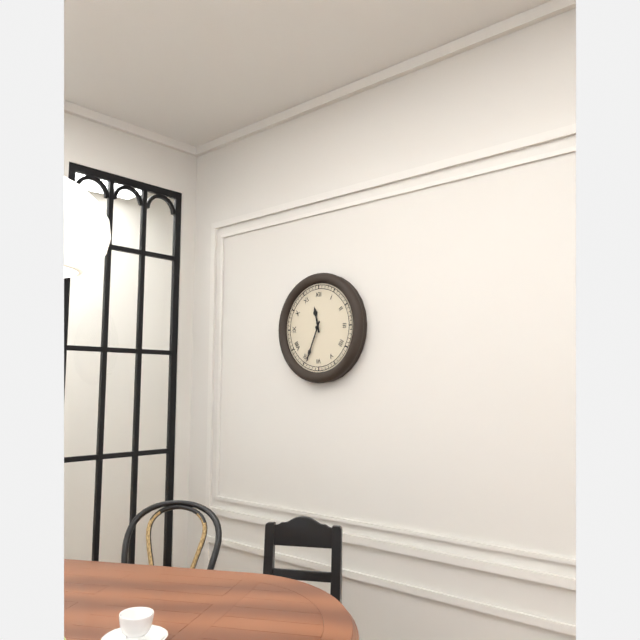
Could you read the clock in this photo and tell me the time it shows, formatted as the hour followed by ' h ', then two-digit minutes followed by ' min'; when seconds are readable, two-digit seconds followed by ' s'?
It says 11 h 34 min
